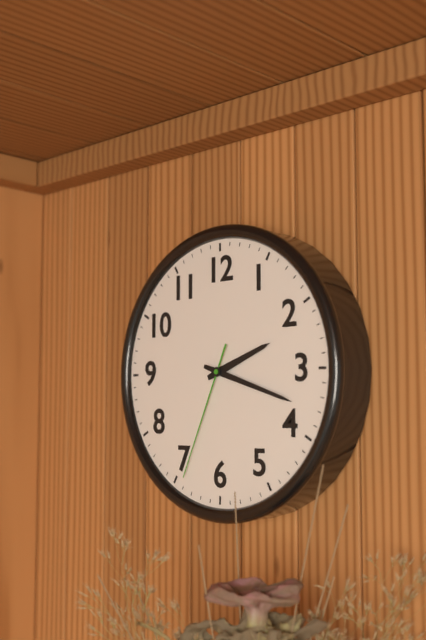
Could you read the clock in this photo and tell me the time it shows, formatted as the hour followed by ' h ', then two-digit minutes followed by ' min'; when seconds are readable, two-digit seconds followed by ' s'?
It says 2 h 18 min 34 s
